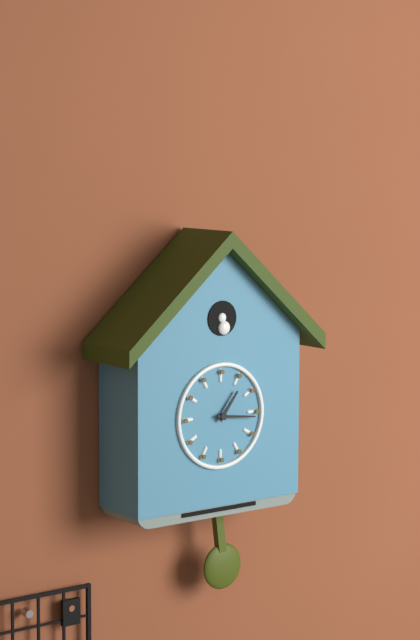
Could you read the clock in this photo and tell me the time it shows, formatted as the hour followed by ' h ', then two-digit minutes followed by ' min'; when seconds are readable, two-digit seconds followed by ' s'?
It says 1 h 16 min
